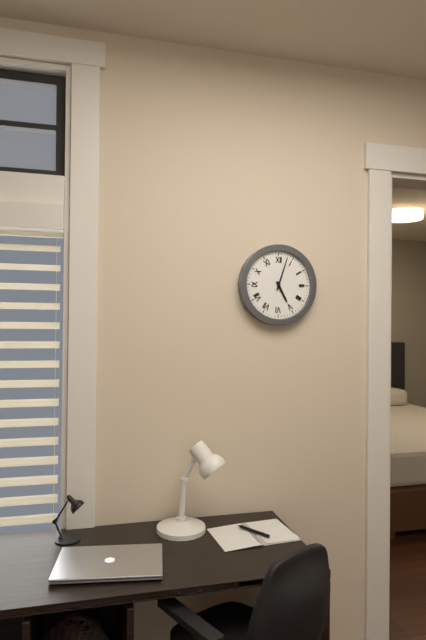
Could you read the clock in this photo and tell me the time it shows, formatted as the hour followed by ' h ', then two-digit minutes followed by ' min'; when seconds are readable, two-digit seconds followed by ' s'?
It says 5 h 03 min
